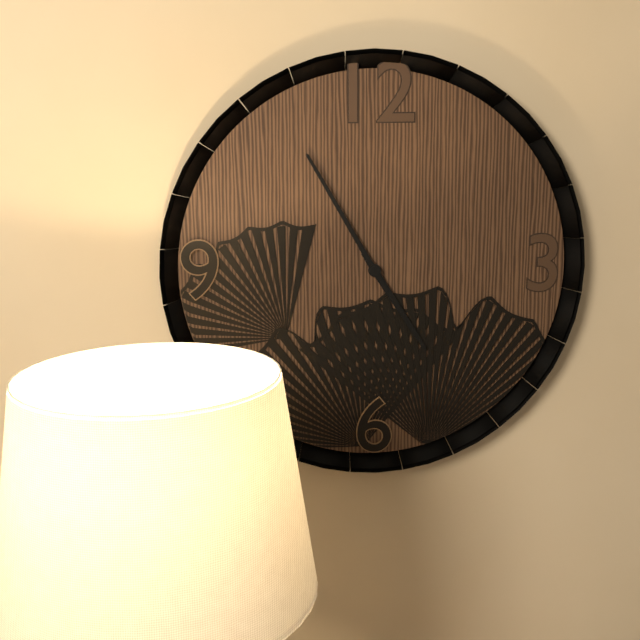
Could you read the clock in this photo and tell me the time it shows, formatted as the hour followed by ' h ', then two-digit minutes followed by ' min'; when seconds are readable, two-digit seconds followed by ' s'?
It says 4 h 55 min
